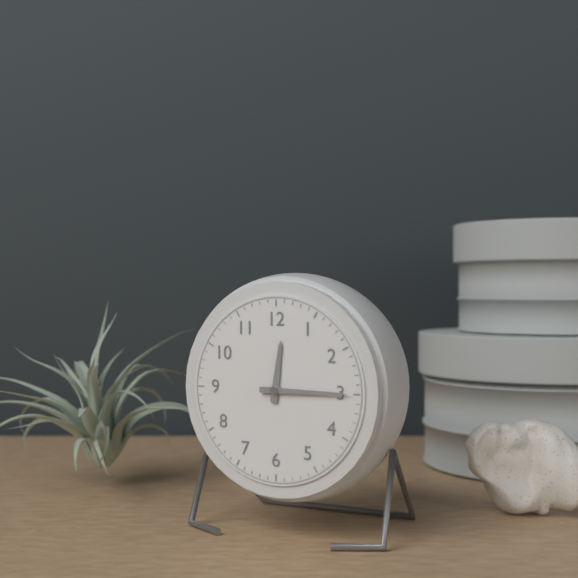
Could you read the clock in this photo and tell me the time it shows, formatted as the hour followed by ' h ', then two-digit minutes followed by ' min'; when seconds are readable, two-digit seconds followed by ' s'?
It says 12 h 15 min
